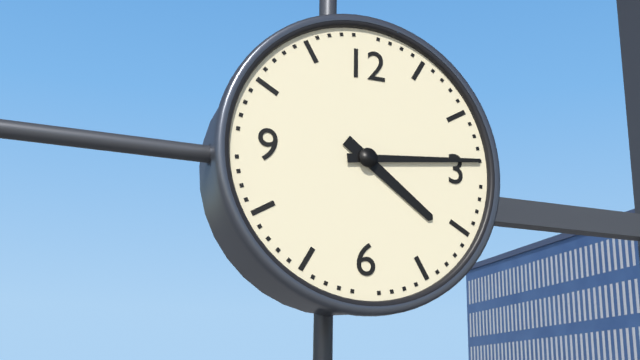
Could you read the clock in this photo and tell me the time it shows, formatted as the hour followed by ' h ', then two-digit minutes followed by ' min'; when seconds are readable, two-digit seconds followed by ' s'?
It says 4 h 14 min
